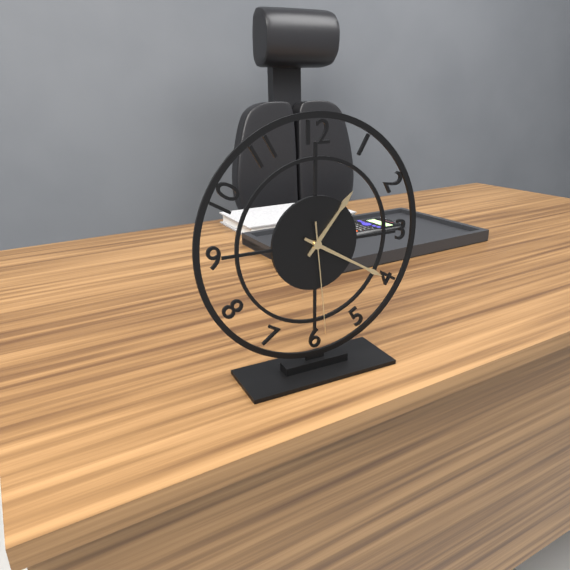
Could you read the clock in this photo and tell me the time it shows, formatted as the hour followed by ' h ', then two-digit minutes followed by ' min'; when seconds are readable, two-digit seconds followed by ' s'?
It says 1 h 20 min 29 s
